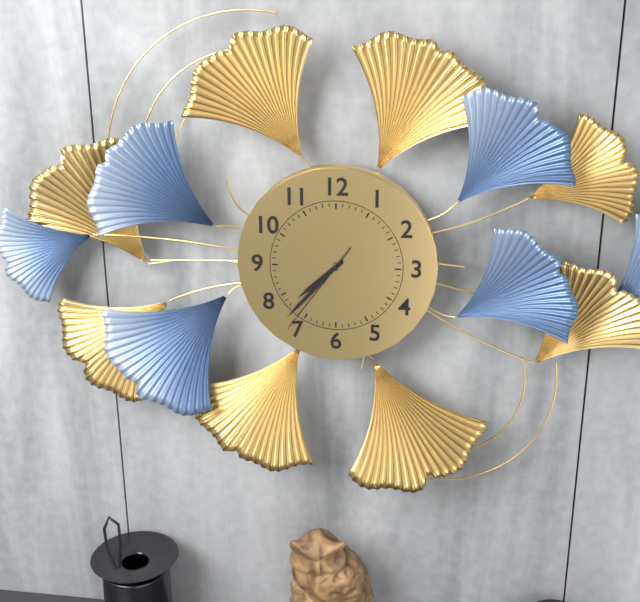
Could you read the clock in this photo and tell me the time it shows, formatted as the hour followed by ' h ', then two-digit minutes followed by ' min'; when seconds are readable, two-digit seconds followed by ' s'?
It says 7 h 37 min 36 s
